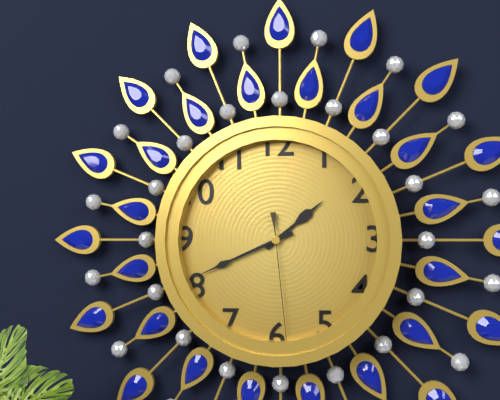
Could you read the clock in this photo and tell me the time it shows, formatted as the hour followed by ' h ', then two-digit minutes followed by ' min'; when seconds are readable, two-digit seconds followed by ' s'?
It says 1 h 41 min 29 s
